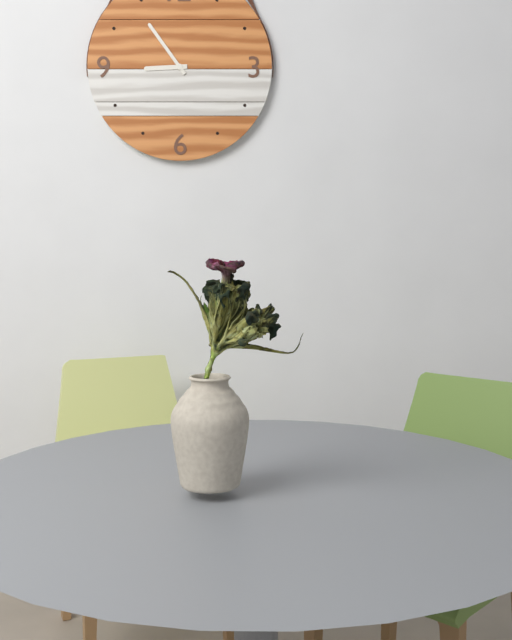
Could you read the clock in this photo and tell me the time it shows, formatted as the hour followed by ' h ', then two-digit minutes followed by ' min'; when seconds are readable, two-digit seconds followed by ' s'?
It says 8 h 54 min
